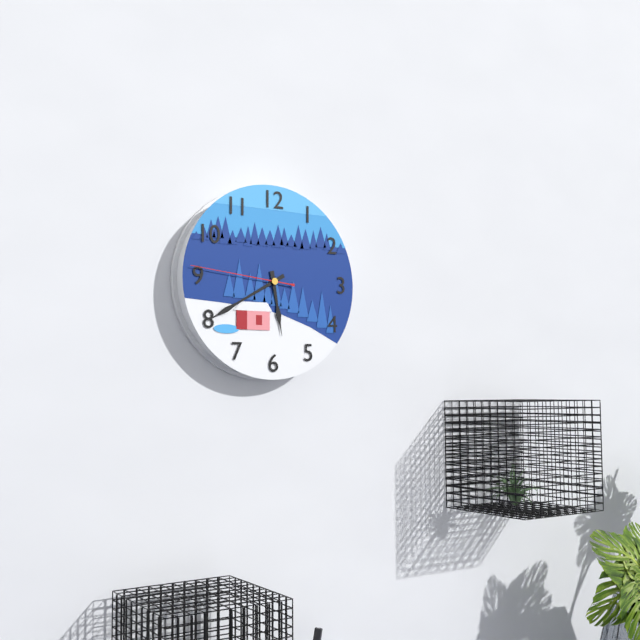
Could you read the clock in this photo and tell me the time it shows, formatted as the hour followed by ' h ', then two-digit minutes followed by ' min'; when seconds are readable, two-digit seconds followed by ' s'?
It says 5 h 40 min 46 s
